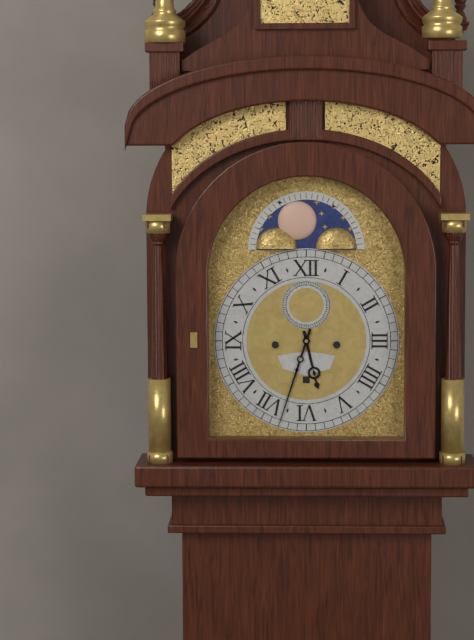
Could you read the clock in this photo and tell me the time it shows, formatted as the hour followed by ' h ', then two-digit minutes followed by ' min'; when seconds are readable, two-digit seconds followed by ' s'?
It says 5 h 33 min
